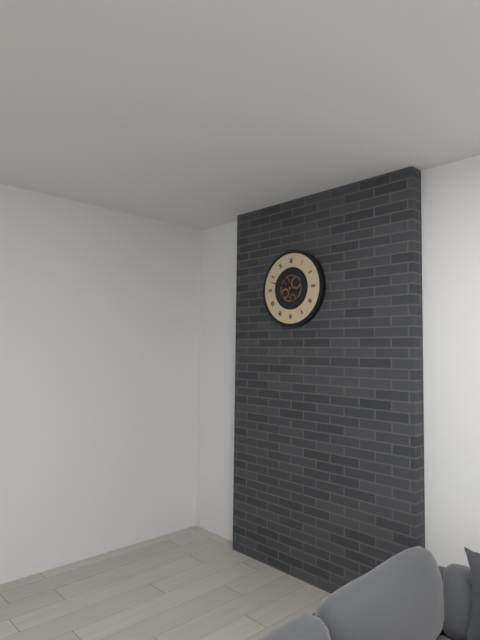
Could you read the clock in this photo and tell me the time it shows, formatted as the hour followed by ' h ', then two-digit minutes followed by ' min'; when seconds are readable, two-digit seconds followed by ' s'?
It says 10 h 48 min
